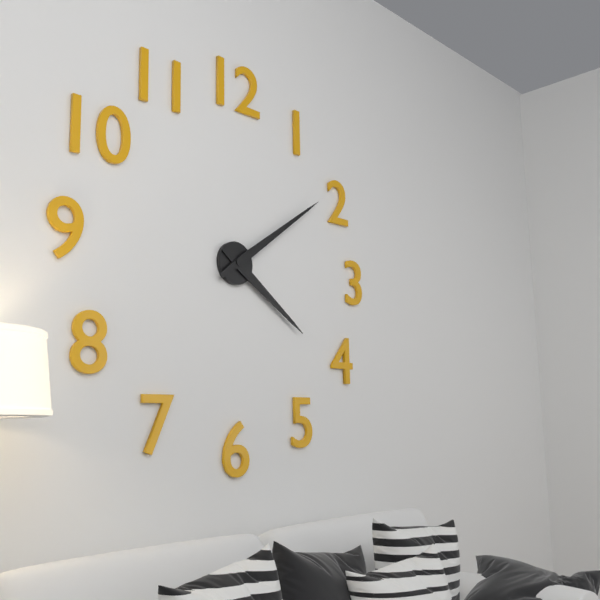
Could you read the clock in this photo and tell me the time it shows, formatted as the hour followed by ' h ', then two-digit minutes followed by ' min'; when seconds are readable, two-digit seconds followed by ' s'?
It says 4 h 09 min
